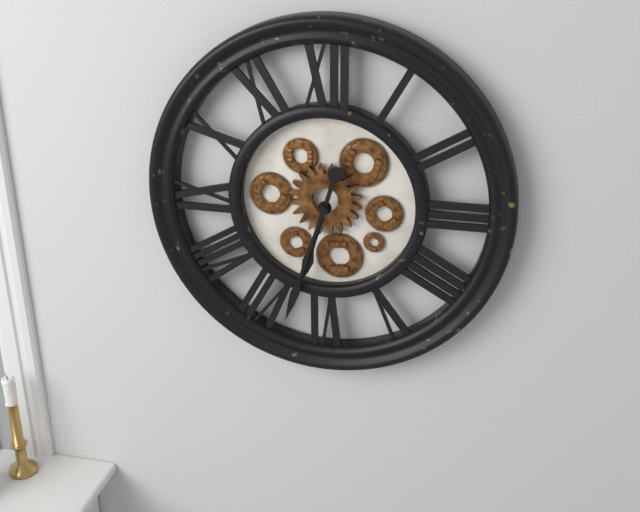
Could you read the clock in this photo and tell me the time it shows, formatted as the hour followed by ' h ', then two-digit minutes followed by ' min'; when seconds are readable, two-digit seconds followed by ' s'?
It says 6 h 33 min
